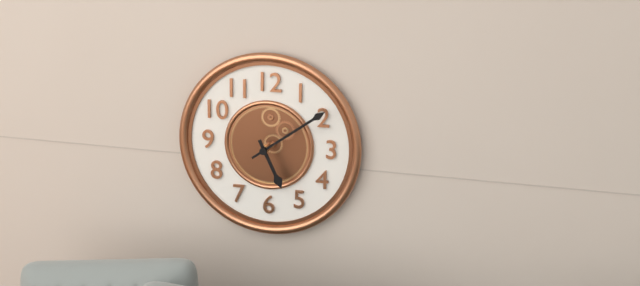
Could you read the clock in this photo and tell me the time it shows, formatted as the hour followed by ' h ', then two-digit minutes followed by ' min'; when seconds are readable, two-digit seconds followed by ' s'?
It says 5 h 09 min
